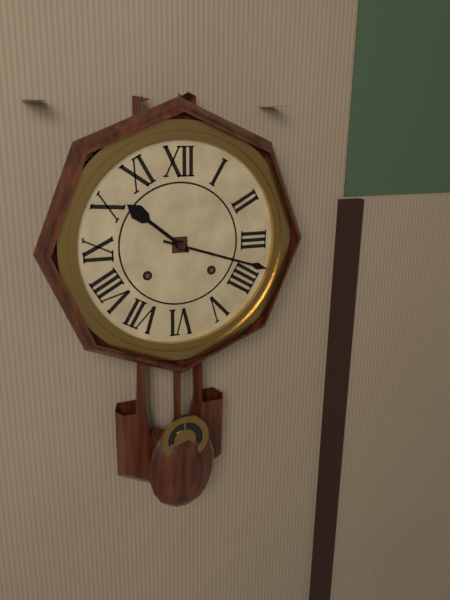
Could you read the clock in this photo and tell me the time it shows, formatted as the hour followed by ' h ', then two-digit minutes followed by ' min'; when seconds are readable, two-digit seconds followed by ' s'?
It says 10 h 18 min
